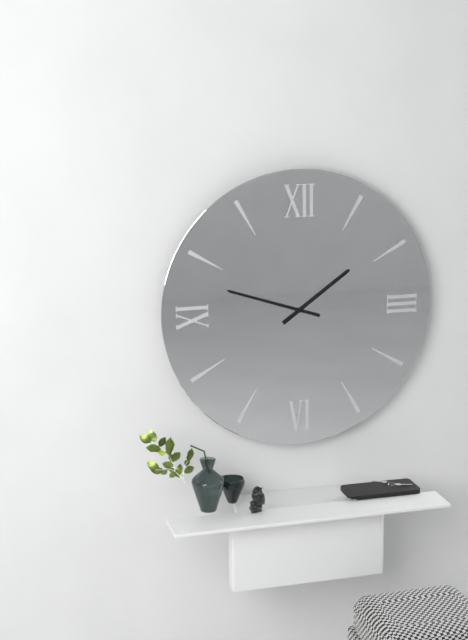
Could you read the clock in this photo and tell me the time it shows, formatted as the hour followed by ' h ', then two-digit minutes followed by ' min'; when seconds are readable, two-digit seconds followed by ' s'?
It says 1 h 48 min
